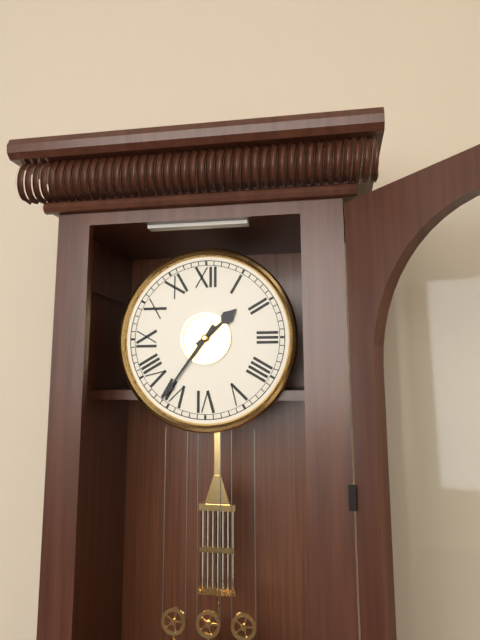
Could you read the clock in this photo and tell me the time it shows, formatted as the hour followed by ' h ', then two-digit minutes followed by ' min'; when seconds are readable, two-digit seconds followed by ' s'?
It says 1 h 36 min
